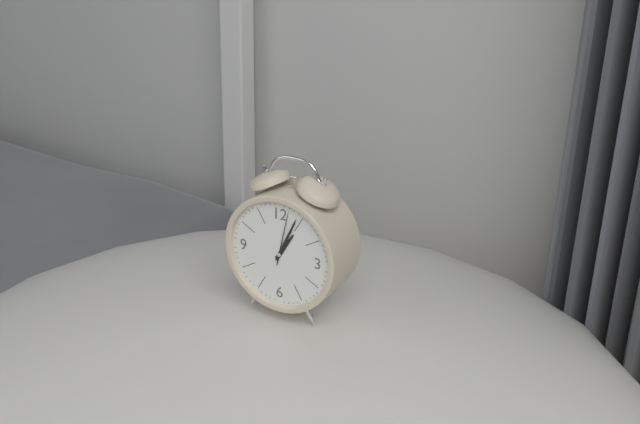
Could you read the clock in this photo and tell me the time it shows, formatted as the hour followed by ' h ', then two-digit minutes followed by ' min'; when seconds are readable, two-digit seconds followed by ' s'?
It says 1 h 04 min 02 s
